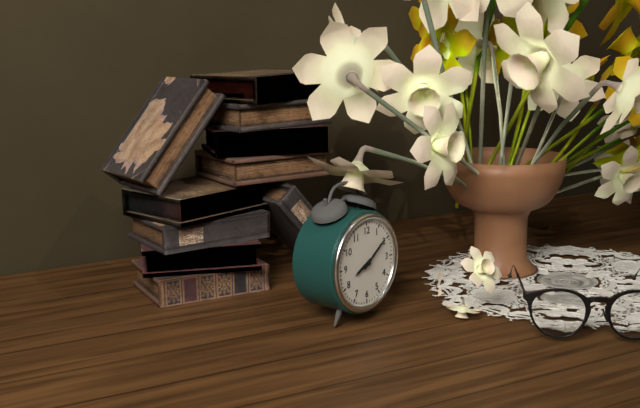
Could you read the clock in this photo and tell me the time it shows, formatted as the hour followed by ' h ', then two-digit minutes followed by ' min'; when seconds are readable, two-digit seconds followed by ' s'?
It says 8 h 09 min
